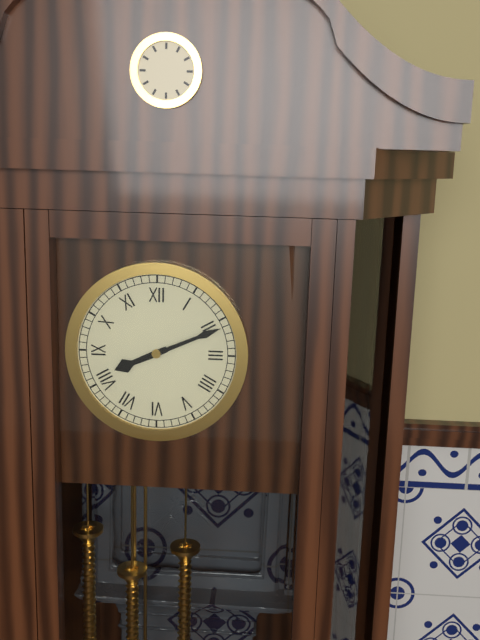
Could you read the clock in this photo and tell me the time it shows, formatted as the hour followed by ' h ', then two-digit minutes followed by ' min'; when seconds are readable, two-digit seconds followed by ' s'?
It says 8 h 11 min
